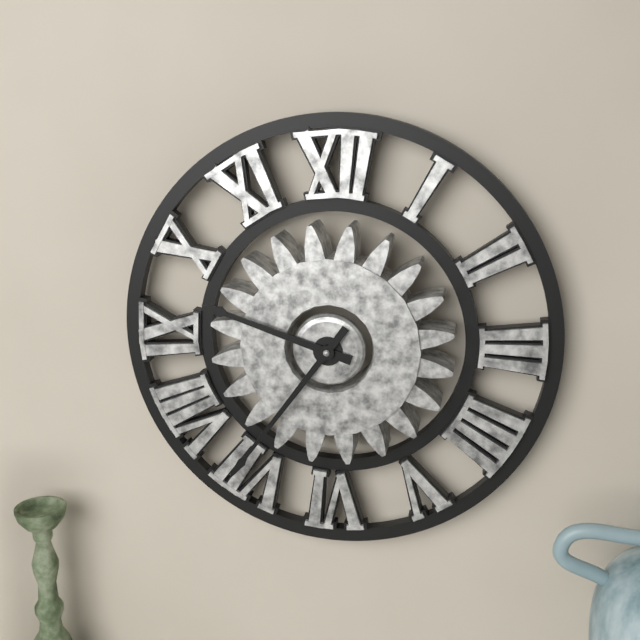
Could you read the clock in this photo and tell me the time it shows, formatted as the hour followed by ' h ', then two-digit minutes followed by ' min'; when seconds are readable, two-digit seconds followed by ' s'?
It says 9 h 36 min
